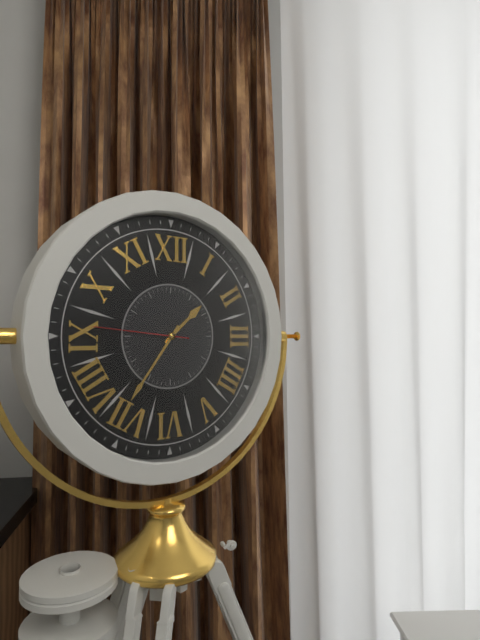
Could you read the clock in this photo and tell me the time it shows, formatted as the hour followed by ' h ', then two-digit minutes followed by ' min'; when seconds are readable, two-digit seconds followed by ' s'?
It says 1 h 36 min 46 s
